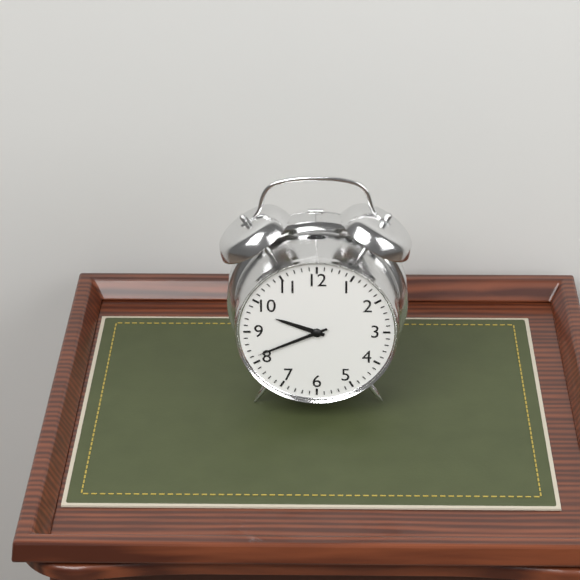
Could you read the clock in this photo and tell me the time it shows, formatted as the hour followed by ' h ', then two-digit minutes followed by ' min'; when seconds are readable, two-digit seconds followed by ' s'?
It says 9 h 41 min
